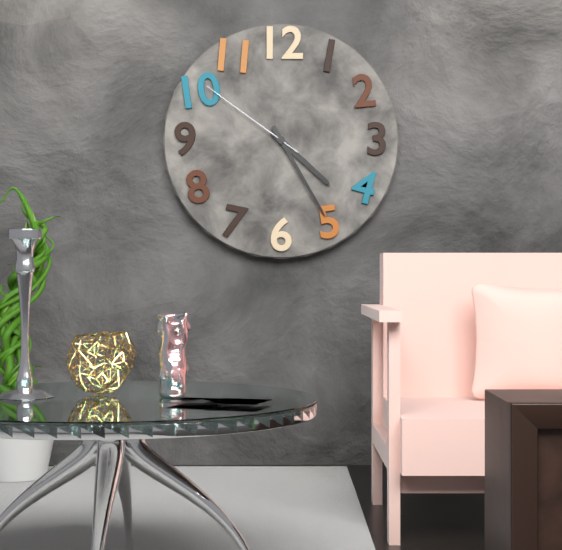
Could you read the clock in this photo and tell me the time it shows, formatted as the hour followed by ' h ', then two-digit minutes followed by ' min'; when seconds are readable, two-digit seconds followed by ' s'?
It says 4 h 25 min 51 s
